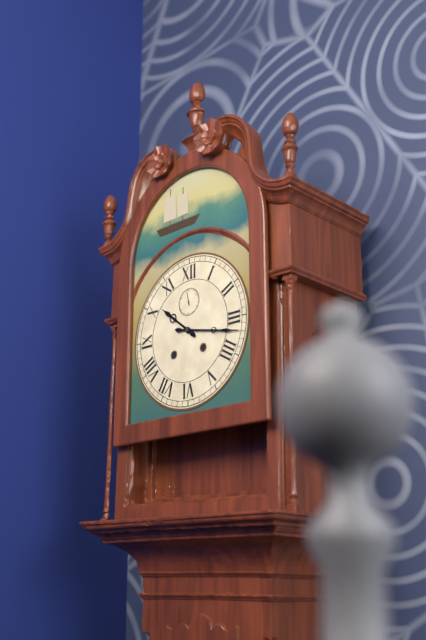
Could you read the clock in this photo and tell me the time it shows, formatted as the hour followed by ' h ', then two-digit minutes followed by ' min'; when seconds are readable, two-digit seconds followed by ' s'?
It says 10 h 17 min
